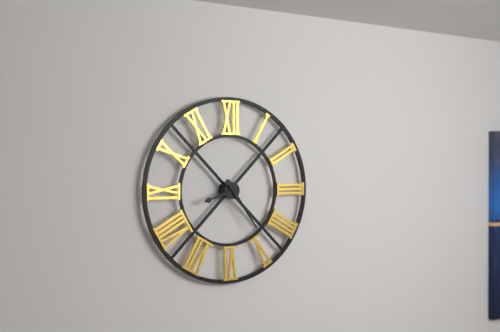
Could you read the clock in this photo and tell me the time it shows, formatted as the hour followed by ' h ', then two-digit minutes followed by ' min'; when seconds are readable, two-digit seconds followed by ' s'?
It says 8 h 24 min
